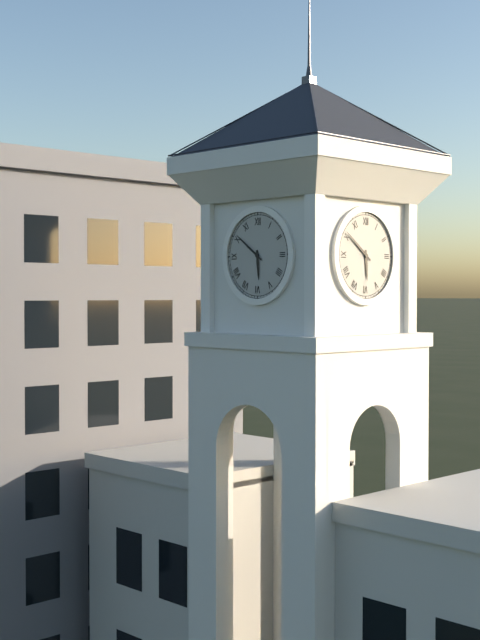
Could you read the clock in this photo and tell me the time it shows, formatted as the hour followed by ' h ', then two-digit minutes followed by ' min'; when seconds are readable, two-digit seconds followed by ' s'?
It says 5 h 51 min
